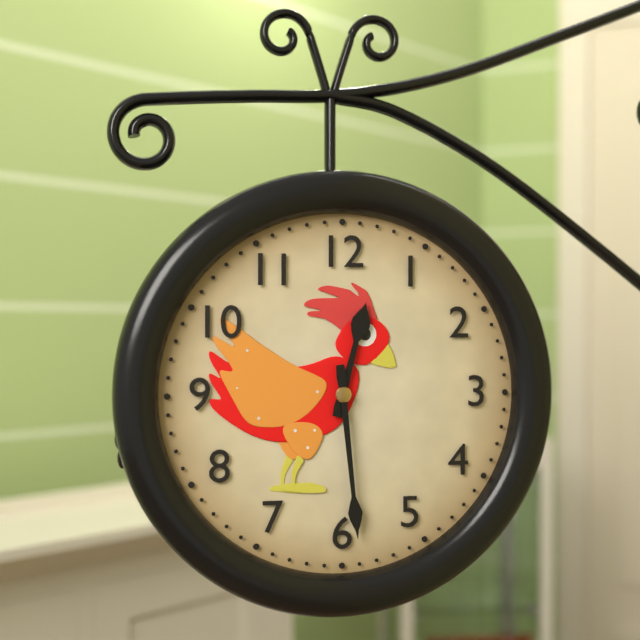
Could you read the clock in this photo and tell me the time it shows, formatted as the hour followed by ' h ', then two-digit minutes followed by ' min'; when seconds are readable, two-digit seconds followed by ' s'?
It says 12 h 29 min
